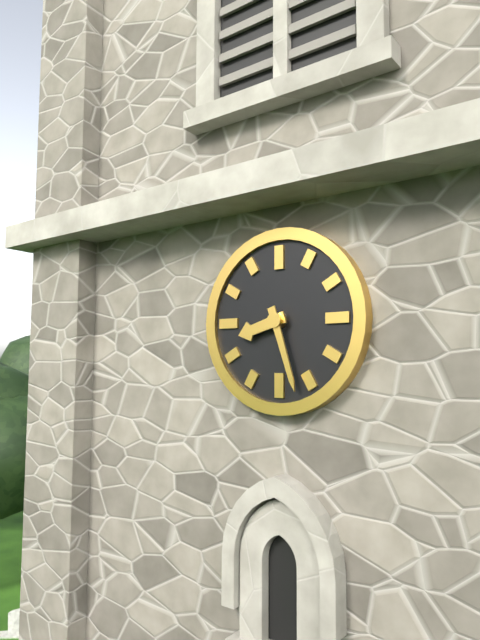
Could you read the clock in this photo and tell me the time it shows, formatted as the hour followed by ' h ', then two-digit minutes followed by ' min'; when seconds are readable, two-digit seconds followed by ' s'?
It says 8 h 27 min
